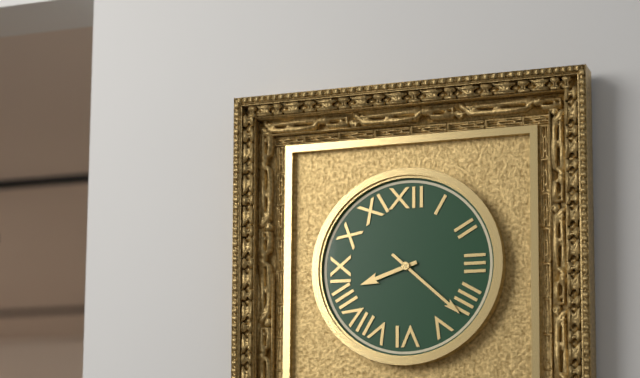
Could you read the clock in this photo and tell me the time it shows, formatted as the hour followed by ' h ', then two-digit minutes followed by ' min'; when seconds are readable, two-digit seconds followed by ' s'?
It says 8 h 22 min
